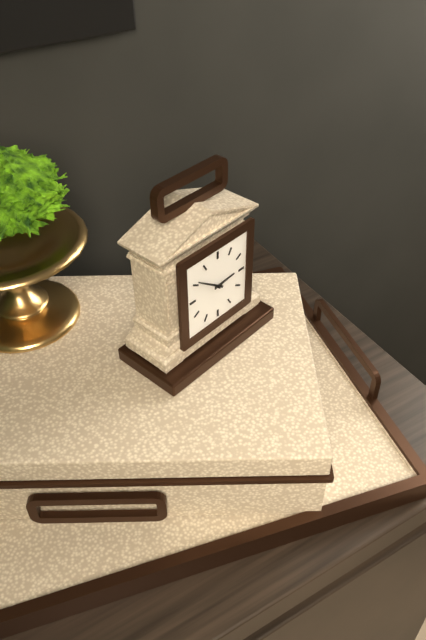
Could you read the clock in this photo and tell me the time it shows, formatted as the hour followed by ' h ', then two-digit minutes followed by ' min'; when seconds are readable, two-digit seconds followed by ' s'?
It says 2 h 51 min
